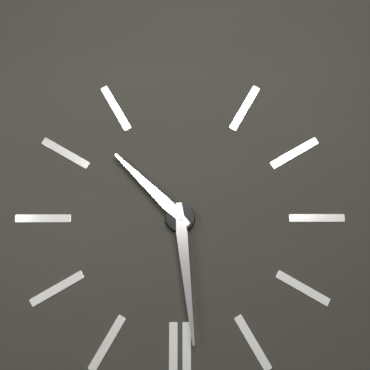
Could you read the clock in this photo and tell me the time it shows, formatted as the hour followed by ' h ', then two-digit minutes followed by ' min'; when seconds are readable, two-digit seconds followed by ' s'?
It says 10 h 29 min
